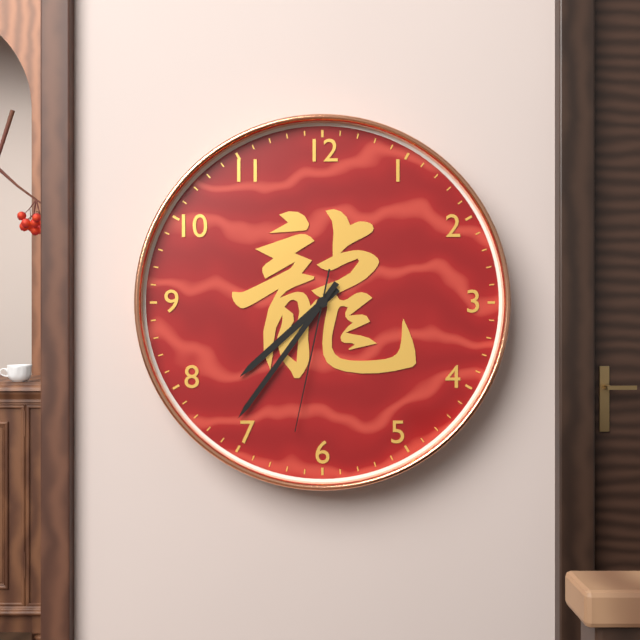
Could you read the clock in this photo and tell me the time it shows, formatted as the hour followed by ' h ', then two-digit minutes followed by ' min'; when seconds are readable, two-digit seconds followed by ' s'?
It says 7 h 36 min 32 s
